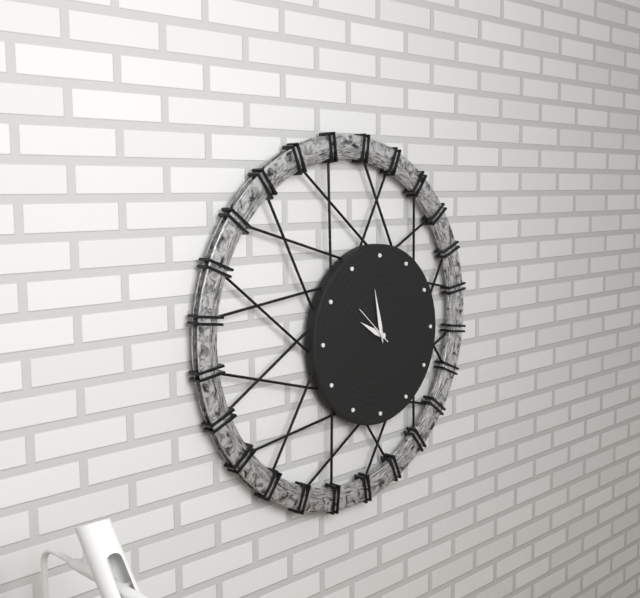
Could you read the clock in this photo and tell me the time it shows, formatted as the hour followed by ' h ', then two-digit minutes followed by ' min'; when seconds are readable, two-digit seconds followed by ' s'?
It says 9 h 58 min
